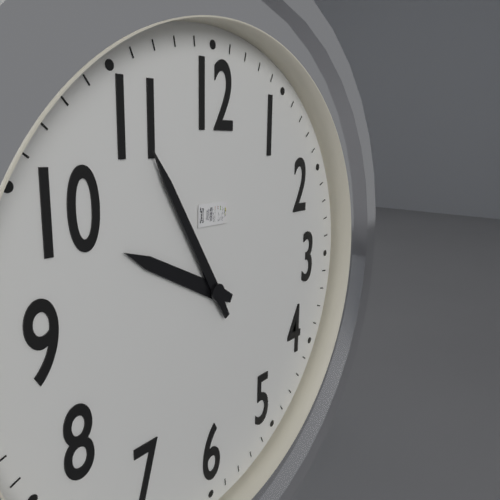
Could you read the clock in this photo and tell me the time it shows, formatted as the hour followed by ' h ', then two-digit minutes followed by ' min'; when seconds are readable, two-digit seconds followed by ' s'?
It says 9 h 55 min
